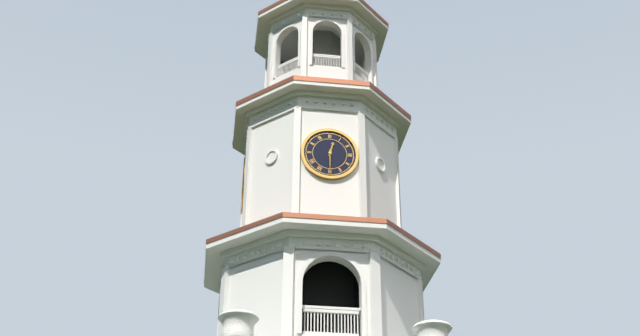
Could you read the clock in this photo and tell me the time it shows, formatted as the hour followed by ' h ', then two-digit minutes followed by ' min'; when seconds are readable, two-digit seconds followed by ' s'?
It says 12 h 30 min
